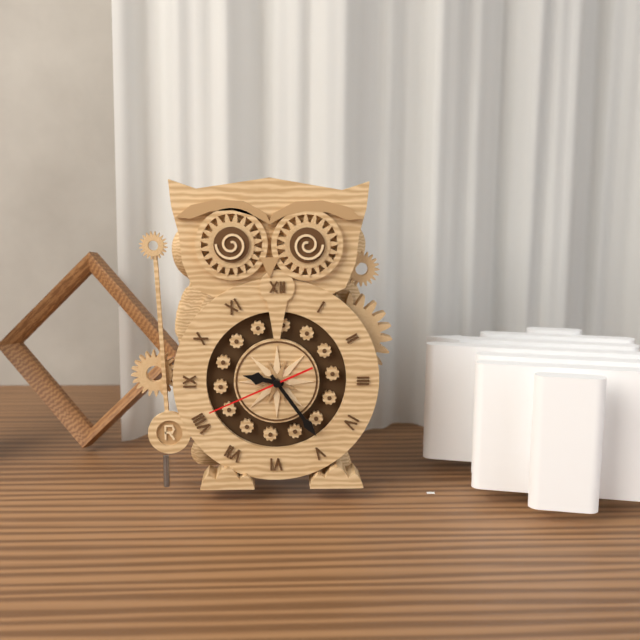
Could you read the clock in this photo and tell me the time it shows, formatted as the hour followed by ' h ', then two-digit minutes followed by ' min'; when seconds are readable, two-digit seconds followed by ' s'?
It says 9 h 24 min 41 s
